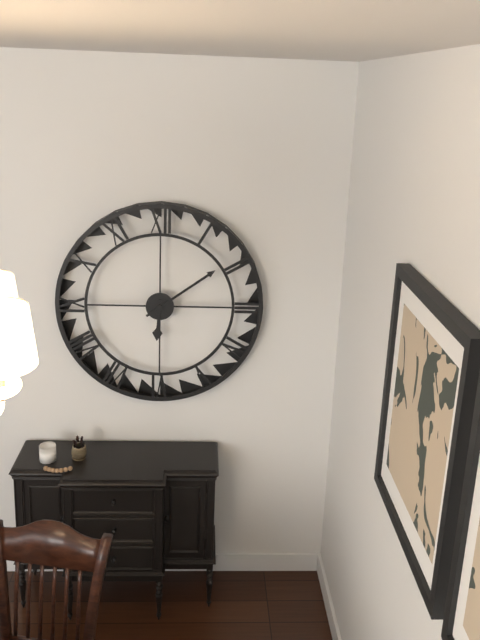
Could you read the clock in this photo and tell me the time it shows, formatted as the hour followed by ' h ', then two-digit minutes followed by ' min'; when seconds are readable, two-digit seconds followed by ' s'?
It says 6 h 09 min
